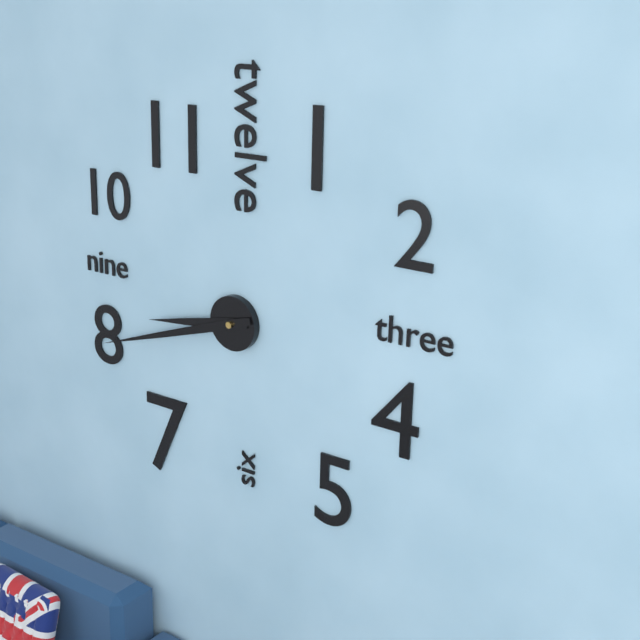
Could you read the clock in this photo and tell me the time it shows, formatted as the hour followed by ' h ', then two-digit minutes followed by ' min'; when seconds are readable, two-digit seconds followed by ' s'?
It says 8 h 42 min
